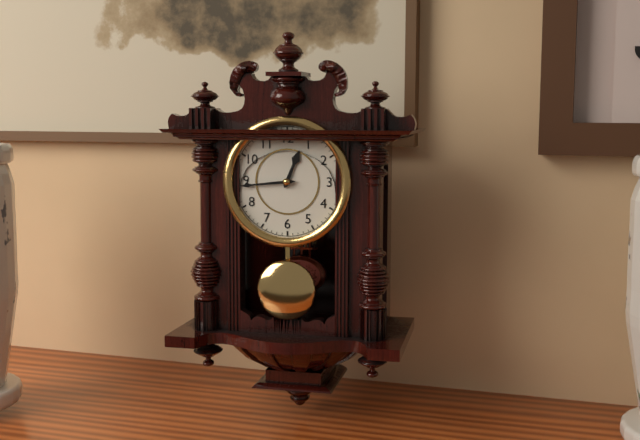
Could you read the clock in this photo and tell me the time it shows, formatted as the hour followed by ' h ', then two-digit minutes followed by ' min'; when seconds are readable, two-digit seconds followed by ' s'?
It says 12 h 44 min
